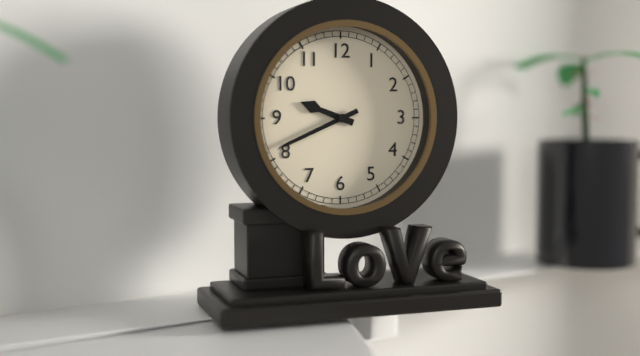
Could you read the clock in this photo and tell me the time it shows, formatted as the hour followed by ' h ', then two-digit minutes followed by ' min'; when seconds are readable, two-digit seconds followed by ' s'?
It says 9 h 41 min
